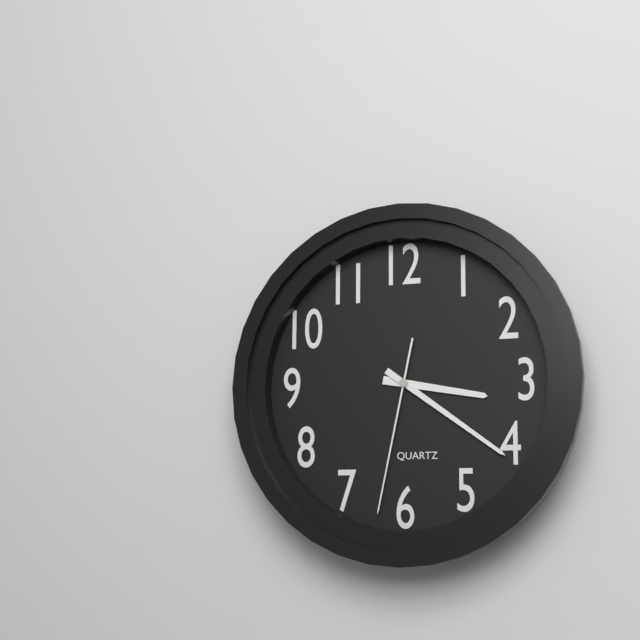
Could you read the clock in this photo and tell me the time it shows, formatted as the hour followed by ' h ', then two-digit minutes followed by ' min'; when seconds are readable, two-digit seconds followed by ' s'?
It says 3 h 21 min 32 s
